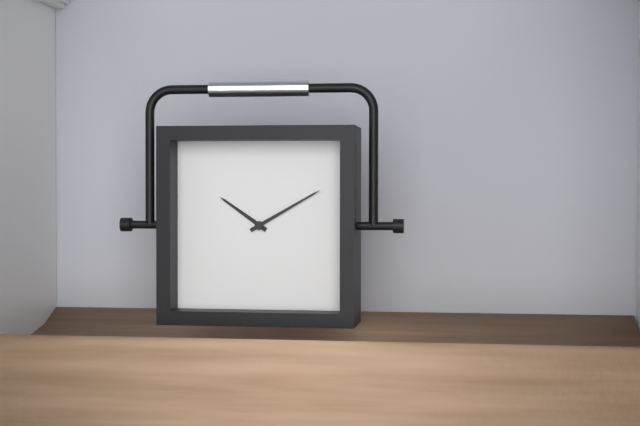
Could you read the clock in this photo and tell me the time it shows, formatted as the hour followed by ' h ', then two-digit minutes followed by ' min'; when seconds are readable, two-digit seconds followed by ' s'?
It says 10 h 10 min
